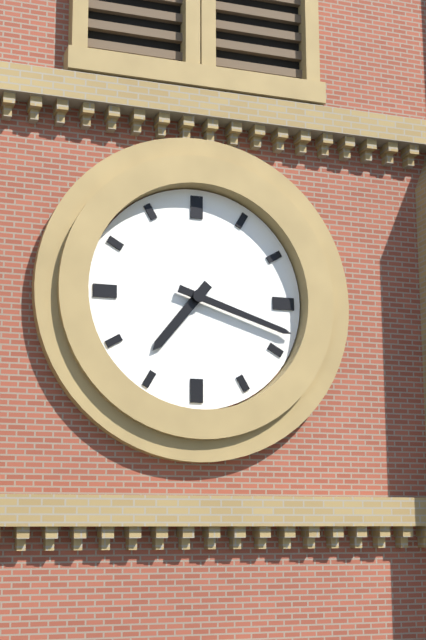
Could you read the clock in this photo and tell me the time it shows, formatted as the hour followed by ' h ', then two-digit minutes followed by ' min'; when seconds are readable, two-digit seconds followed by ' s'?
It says 7 h 18 min
